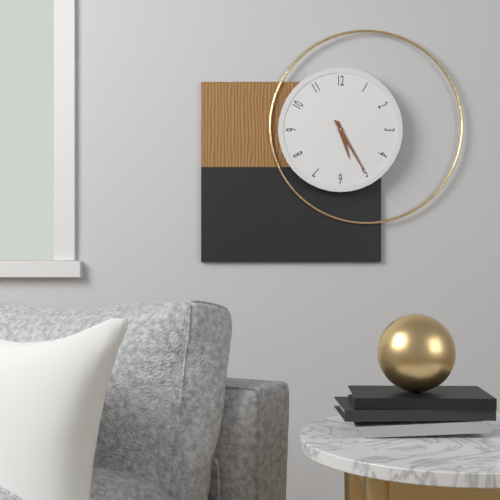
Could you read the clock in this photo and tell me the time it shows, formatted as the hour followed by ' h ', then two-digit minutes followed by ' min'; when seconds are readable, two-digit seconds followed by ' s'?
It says 5 h 25 min
